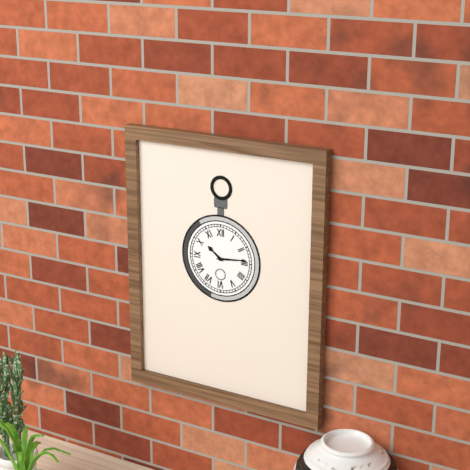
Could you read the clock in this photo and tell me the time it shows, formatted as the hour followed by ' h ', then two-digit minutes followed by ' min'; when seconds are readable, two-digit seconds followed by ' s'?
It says 10 h 14 min
